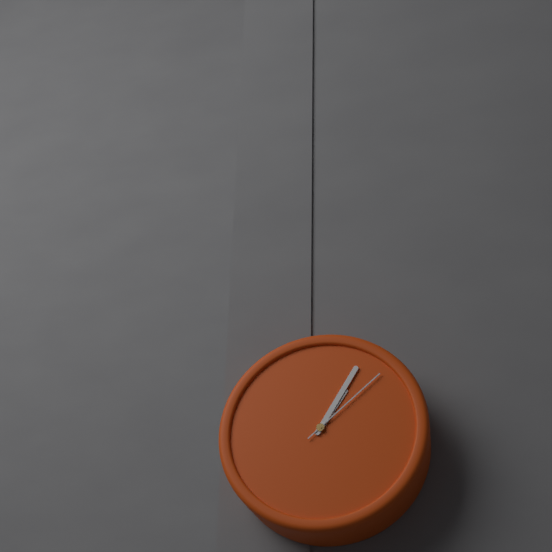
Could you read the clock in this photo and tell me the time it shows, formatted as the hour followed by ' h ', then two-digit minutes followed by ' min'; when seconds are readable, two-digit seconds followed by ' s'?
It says 1 h 05 min 08 s
